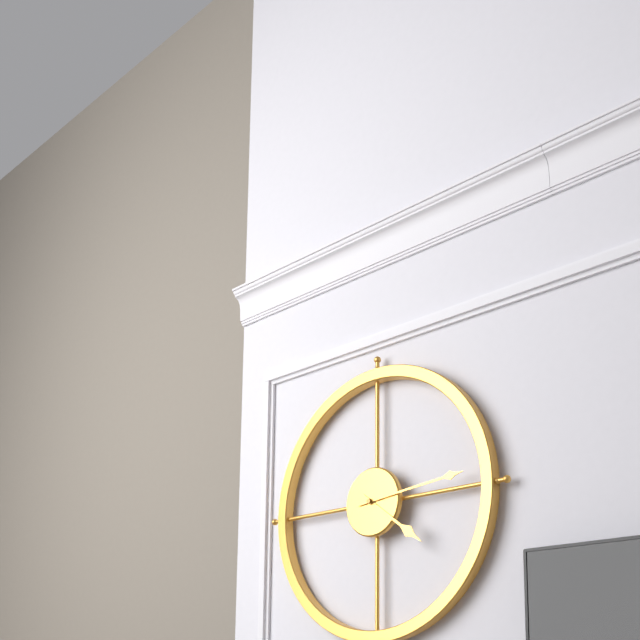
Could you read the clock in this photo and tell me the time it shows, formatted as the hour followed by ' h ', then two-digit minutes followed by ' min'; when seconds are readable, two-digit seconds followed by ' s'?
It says 4 h 14 min
